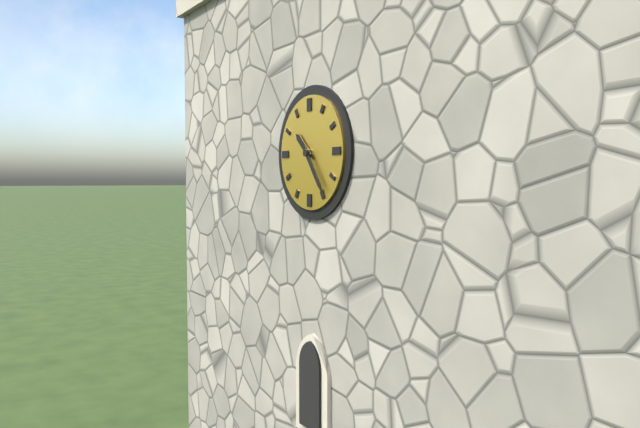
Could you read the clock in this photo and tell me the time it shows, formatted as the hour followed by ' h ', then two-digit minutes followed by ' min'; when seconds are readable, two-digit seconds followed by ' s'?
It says 10 h 24 min
